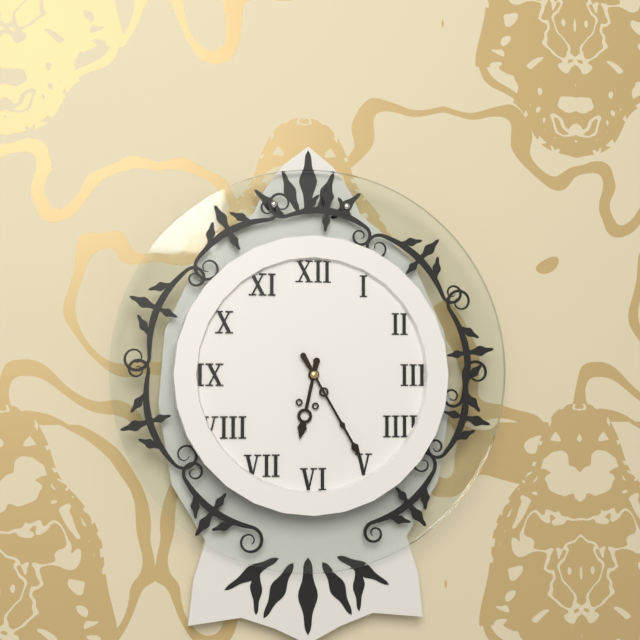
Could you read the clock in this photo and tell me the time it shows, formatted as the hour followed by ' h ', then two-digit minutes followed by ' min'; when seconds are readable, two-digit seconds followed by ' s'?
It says 6 h 25 min
